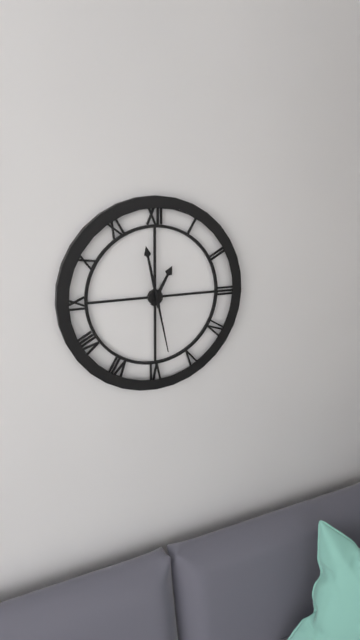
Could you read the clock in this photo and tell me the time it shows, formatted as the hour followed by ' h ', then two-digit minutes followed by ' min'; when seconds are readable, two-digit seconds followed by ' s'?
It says 12 h 58 min 28 s
